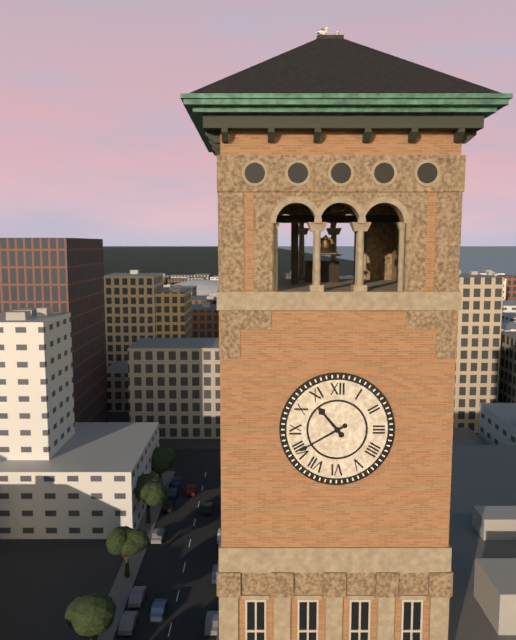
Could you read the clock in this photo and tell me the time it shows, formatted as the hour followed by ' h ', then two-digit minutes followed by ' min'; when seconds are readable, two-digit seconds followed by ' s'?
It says 10 h 40 min
